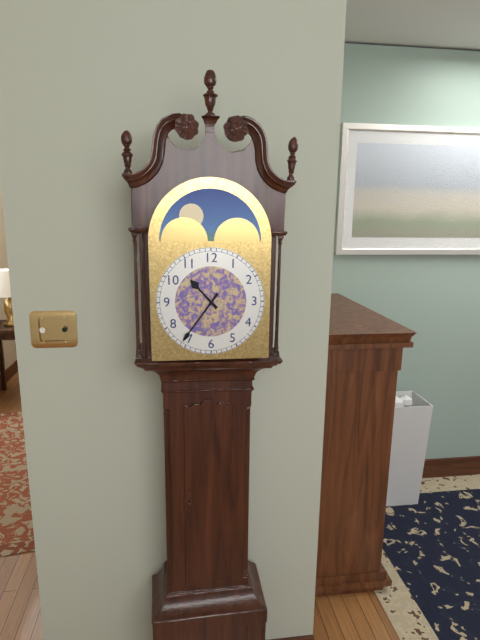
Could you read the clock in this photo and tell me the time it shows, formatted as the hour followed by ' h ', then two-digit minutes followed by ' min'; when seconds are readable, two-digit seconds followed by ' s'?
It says 10 h 36 min
